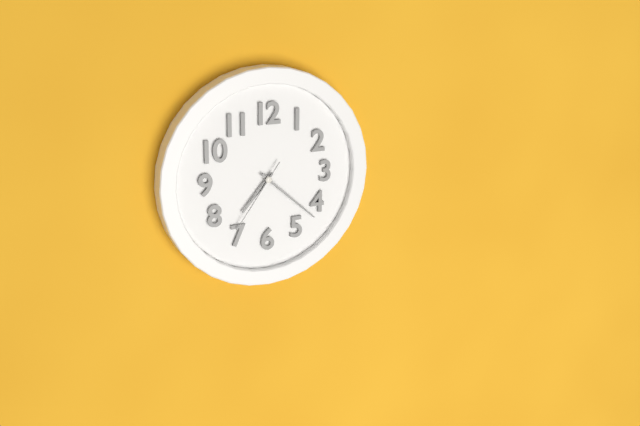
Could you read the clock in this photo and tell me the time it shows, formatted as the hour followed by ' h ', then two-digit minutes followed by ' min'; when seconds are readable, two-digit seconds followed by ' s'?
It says 7 h 22 min 36 s
